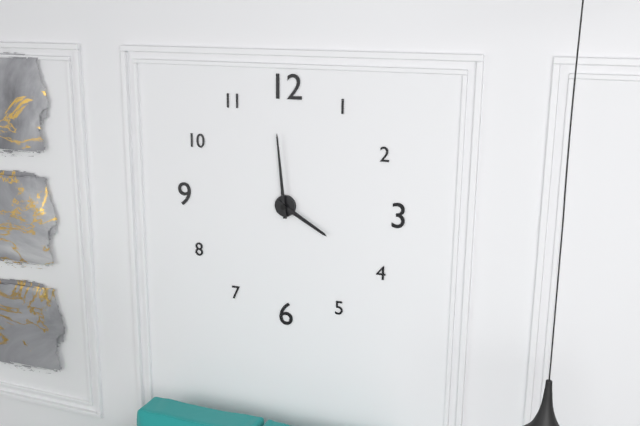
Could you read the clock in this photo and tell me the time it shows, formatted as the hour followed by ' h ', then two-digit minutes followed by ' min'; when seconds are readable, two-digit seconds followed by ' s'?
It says 3 h 59 min
